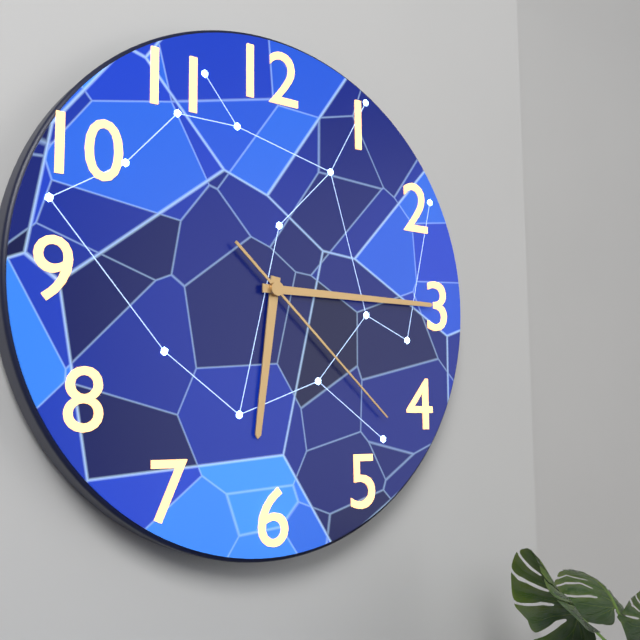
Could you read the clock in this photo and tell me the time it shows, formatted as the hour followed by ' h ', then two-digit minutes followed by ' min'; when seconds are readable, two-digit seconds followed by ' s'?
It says 6 h 15 min 22 s
